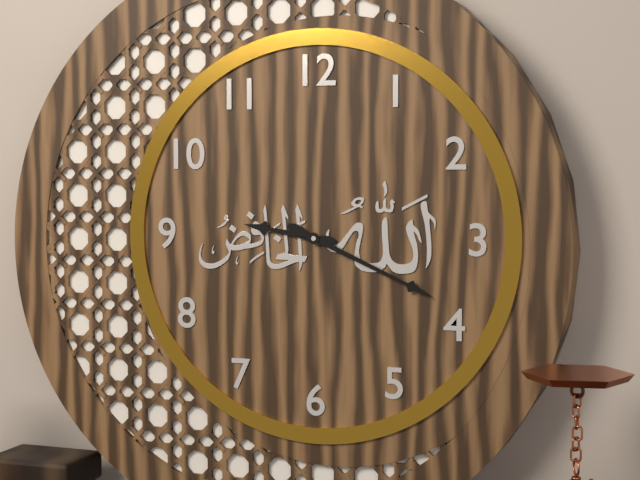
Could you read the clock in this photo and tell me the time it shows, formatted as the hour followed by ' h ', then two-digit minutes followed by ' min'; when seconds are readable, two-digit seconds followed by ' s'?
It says 9 h 19 min
